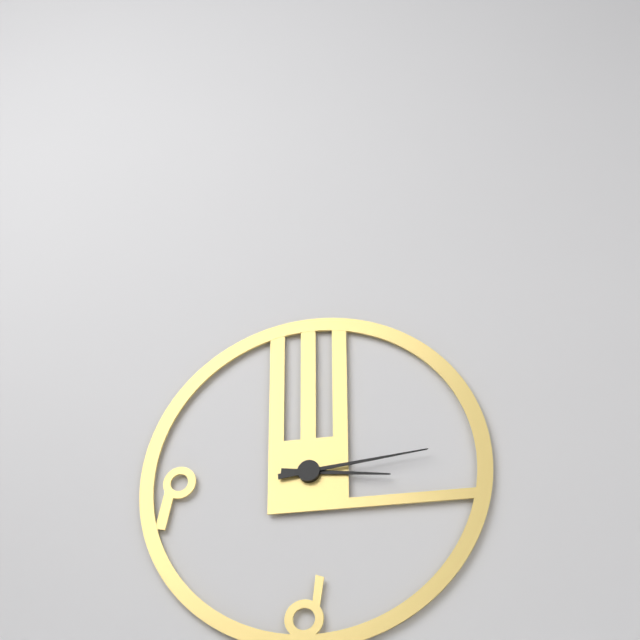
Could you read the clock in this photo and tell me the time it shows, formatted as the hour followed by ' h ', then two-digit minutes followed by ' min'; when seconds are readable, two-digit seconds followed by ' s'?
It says 3 h 14 min
